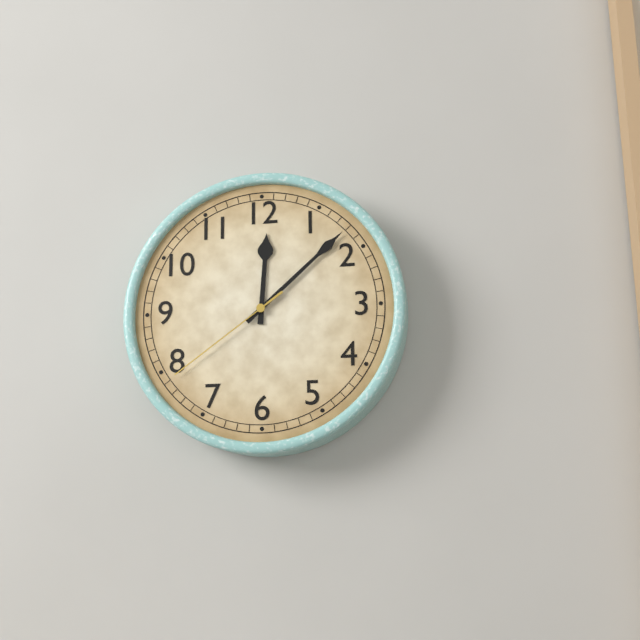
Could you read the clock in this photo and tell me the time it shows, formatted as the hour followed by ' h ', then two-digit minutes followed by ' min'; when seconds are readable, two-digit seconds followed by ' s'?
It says 12 h 08 min 39 s
